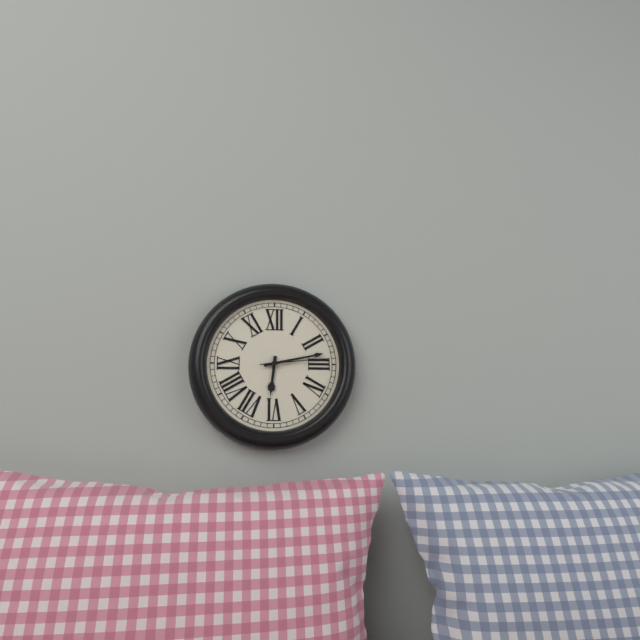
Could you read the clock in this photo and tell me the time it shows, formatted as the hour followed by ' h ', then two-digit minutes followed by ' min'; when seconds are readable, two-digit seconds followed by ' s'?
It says 6 h 13 min 14 s
